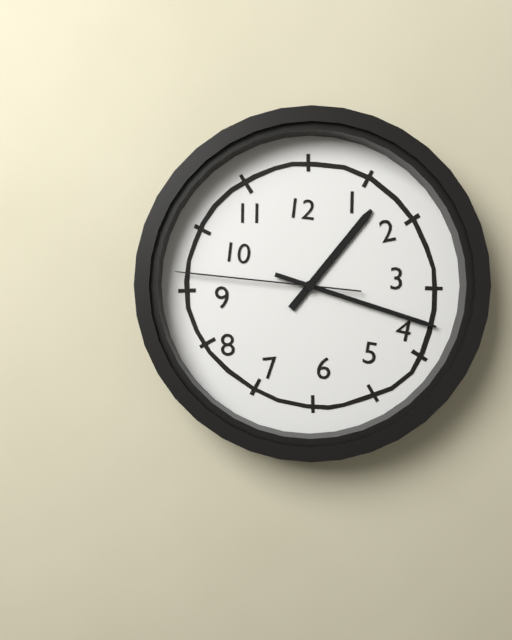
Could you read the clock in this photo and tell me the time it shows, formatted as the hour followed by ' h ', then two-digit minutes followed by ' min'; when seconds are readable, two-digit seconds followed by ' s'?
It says 1 h 18 min 46 s
